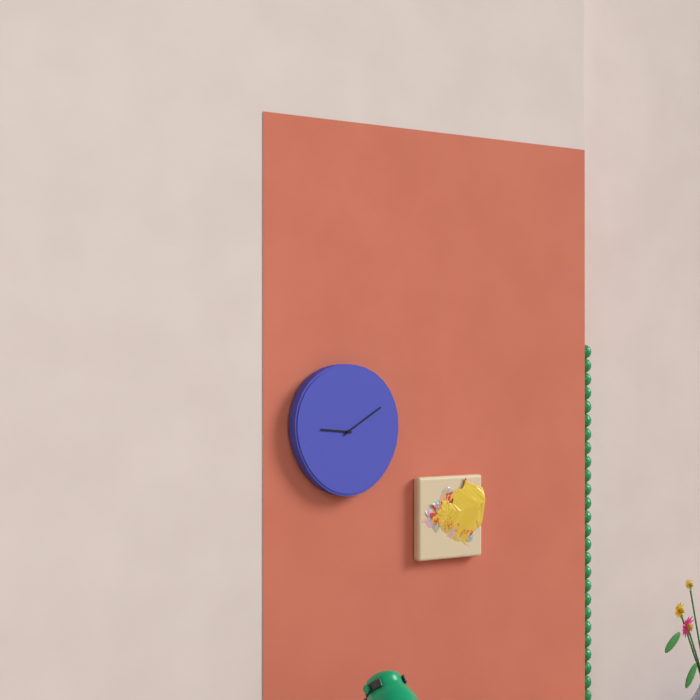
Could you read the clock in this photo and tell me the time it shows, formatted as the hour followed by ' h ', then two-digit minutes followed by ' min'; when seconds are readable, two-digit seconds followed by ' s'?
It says 9 h 10 min
